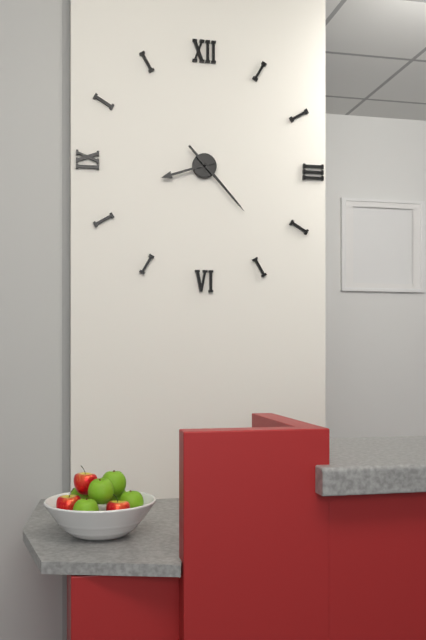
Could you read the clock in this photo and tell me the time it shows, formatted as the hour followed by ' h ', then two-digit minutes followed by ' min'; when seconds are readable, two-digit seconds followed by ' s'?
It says 8 h 23 min
